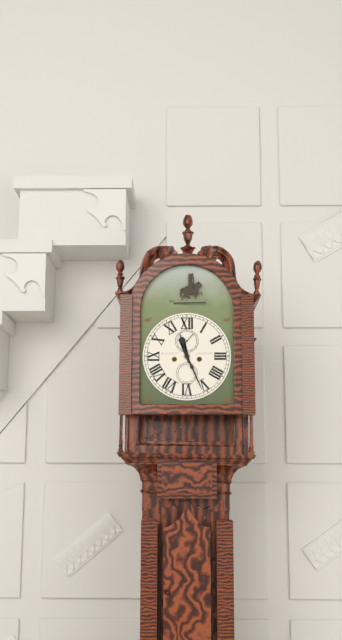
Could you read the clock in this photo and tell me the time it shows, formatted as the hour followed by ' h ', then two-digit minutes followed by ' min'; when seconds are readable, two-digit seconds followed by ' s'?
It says 11 h 26 min
